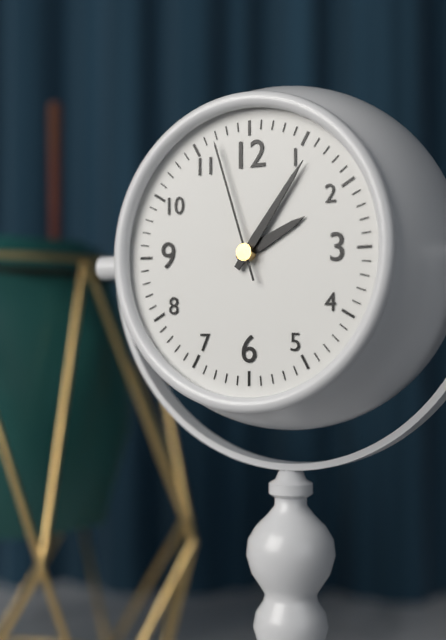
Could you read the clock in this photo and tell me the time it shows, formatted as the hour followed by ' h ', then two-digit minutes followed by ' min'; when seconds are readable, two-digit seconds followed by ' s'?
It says 2 h 06 min 57 s
